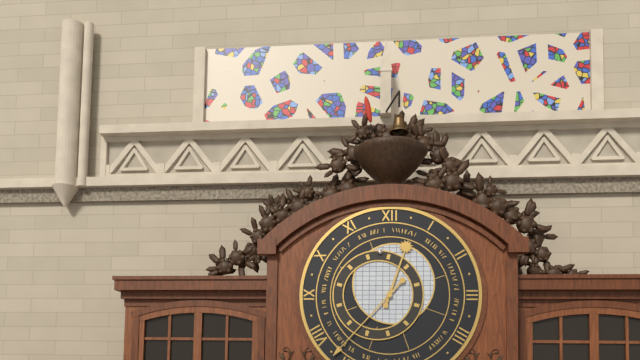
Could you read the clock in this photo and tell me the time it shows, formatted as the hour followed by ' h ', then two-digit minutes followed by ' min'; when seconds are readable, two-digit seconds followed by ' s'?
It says 12 h 37 min
